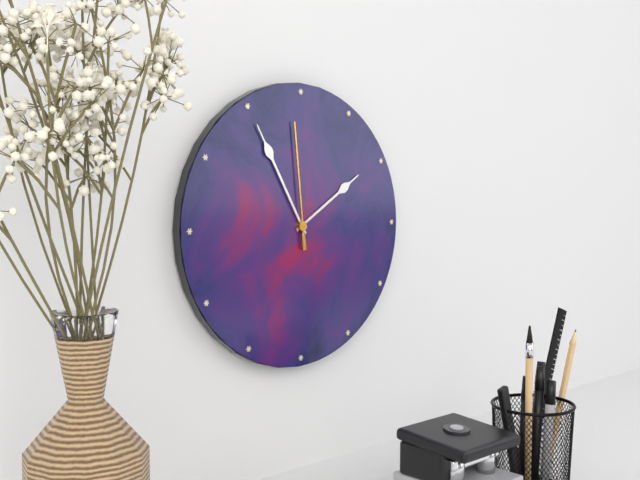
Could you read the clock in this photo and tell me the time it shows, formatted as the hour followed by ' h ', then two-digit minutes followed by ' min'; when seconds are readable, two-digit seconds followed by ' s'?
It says 1 h 55 min 59 s
